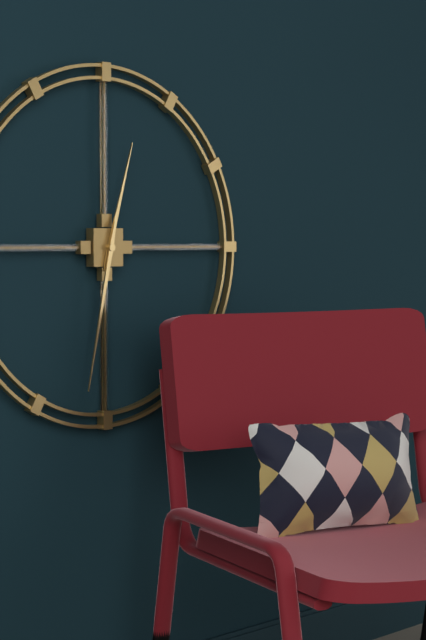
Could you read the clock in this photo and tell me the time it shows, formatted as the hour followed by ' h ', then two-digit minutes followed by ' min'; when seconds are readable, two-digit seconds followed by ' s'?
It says 12 h 32 min
